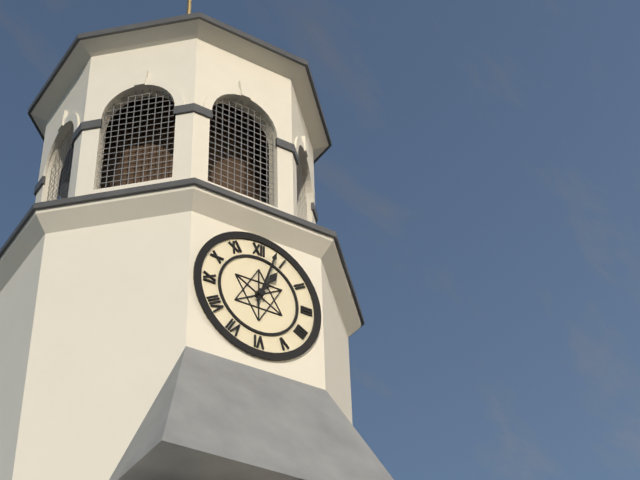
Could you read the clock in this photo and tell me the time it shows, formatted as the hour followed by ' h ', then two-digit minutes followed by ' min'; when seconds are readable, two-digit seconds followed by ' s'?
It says 1 h 03 min
